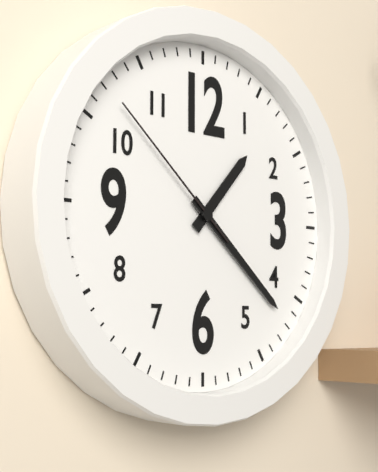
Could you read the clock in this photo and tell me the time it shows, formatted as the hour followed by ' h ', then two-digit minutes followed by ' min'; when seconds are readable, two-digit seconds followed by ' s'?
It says 1 h 22 min 52 s
